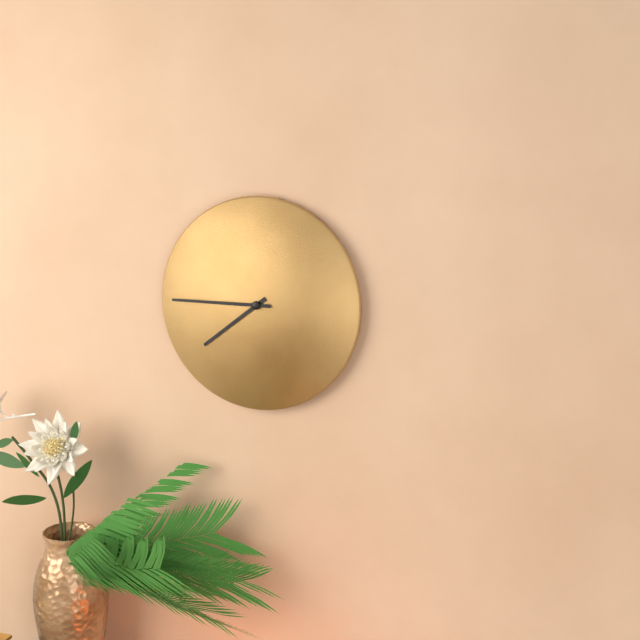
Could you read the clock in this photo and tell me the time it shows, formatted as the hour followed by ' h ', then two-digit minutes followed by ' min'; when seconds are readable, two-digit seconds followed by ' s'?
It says 7 h 45 min
